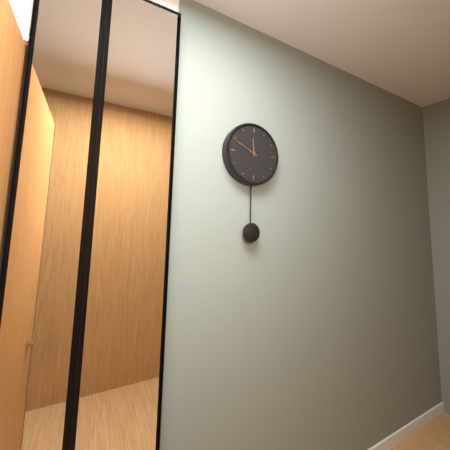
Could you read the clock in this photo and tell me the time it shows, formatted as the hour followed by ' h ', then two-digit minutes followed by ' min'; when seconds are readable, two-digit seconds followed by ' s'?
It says 11 h 49 min
